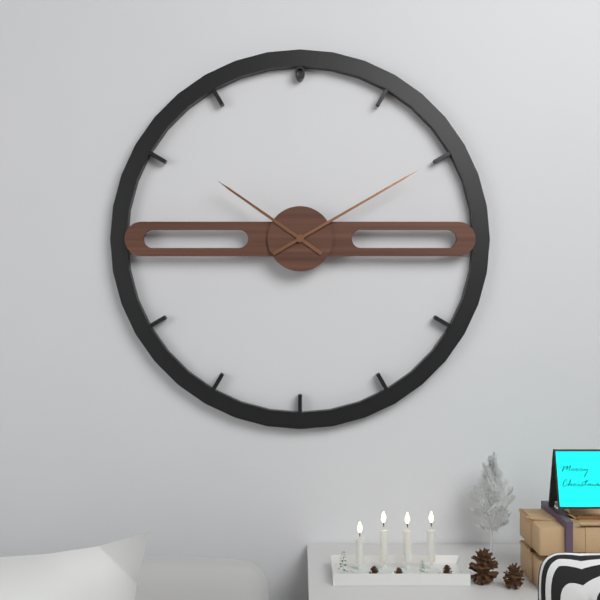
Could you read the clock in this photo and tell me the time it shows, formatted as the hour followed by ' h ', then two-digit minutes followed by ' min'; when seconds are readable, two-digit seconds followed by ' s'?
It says 10 h 10 min
